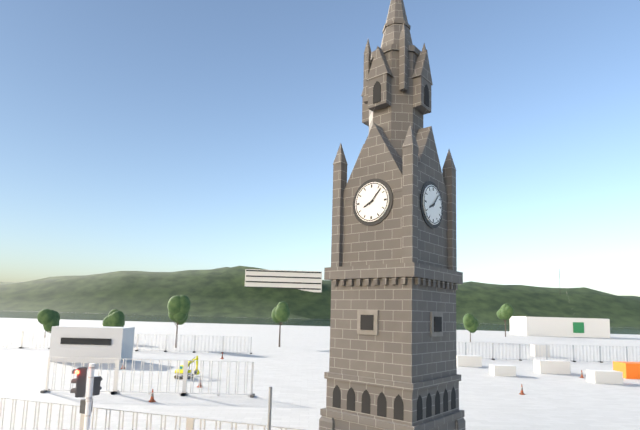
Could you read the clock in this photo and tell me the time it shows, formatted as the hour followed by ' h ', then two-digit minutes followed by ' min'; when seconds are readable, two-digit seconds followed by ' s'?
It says 8 h 07 min
